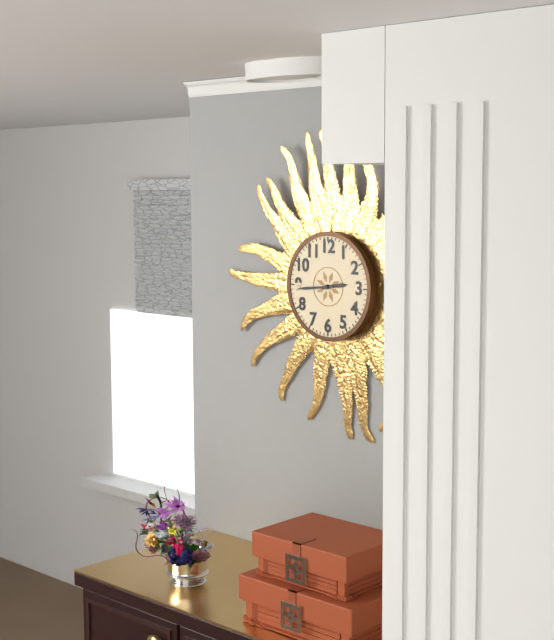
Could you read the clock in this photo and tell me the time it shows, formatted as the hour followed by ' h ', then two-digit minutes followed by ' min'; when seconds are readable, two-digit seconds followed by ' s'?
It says 2 h 44 min
